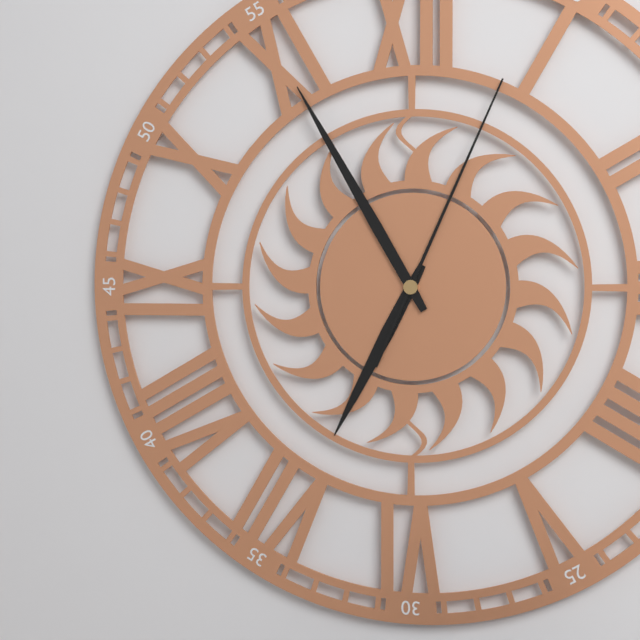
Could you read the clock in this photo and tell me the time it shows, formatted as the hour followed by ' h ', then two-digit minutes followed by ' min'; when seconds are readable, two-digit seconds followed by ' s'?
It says 6 h 55 min 04 s
